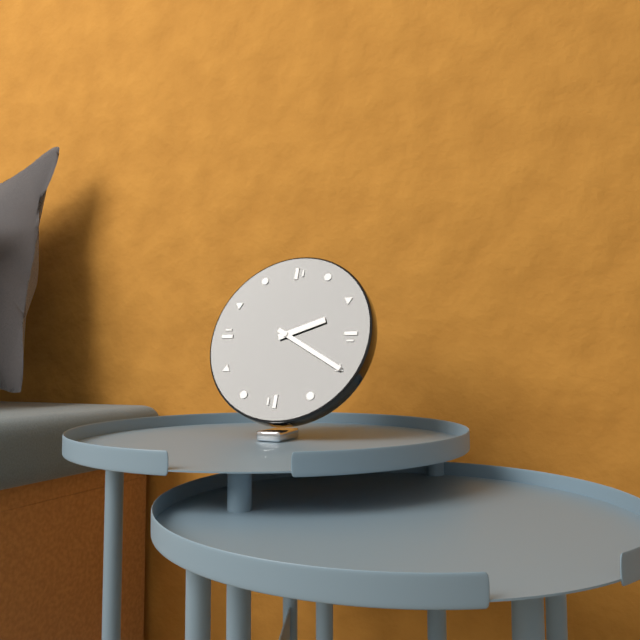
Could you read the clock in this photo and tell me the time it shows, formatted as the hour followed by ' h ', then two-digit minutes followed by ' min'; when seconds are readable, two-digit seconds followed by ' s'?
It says 2 h 20 min
